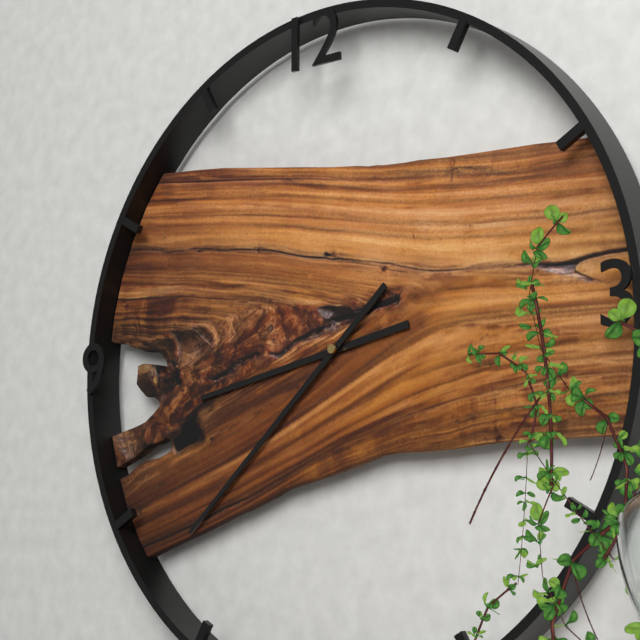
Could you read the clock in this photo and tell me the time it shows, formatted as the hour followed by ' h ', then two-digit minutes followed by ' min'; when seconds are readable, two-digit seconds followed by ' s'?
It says 8 h 38 min
